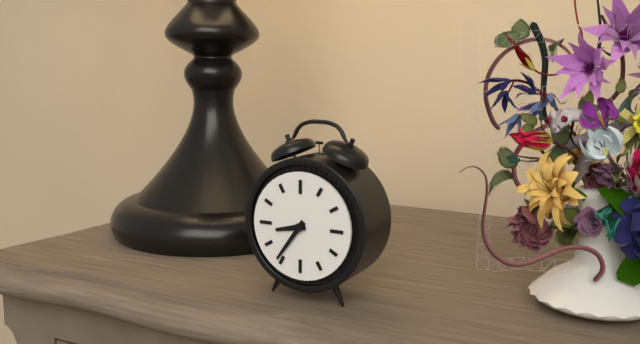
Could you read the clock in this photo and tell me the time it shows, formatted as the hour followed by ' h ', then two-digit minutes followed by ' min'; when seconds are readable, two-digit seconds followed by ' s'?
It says 8 h 36 min
